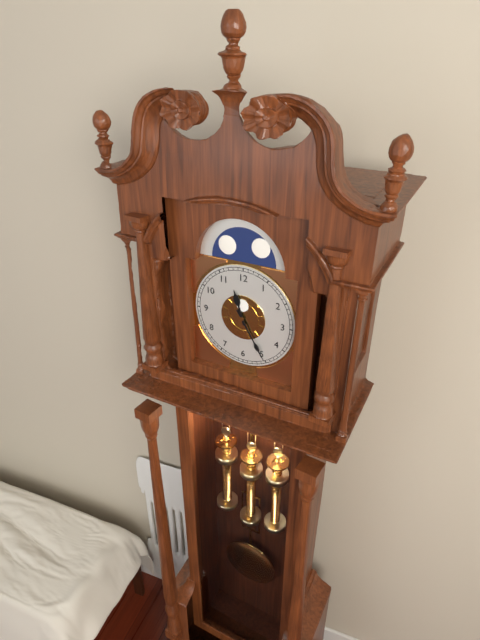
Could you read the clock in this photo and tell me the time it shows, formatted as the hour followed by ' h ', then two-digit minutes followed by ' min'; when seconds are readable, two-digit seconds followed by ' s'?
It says 11 h 25 min
